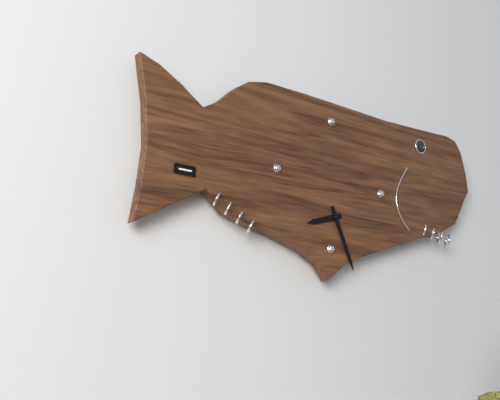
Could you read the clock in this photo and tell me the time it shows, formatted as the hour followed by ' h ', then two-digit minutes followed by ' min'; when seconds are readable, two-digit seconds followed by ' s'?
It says 8 h 26 min
